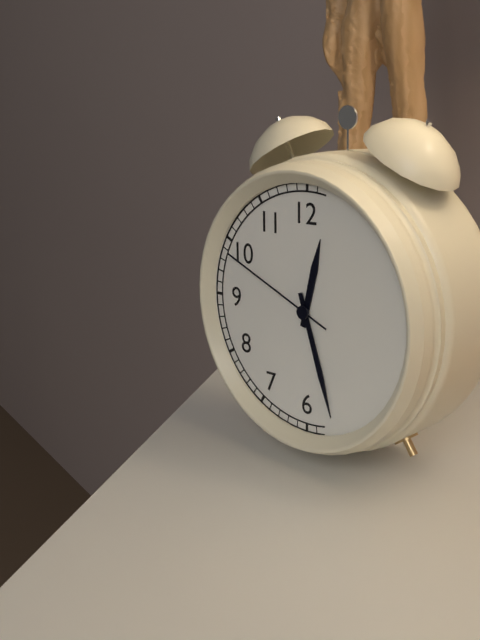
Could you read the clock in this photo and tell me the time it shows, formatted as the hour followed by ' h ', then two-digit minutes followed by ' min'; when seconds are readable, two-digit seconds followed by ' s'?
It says 12 h 27 min 49 s
